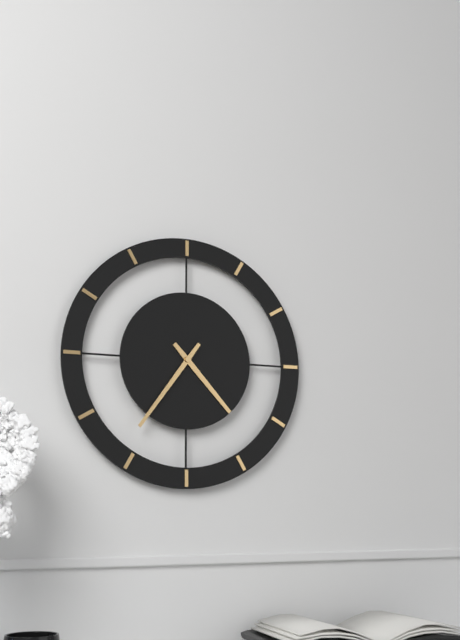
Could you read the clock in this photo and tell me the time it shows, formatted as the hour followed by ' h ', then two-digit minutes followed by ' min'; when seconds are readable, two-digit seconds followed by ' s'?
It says 4 h 36 min
